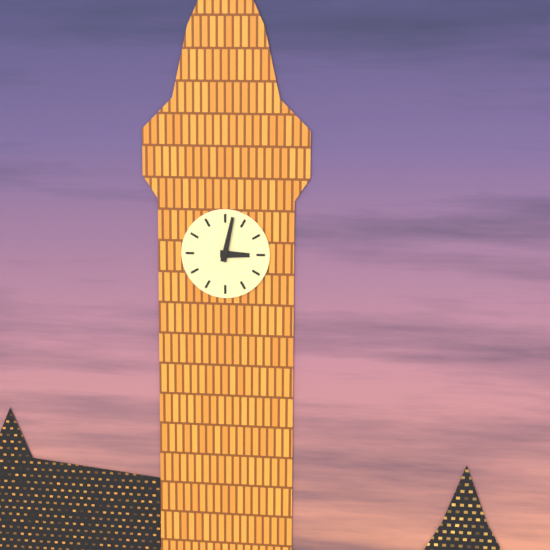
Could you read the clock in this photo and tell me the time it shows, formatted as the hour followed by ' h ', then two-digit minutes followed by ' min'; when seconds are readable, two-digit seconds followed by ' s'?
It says 3 h 02 min
